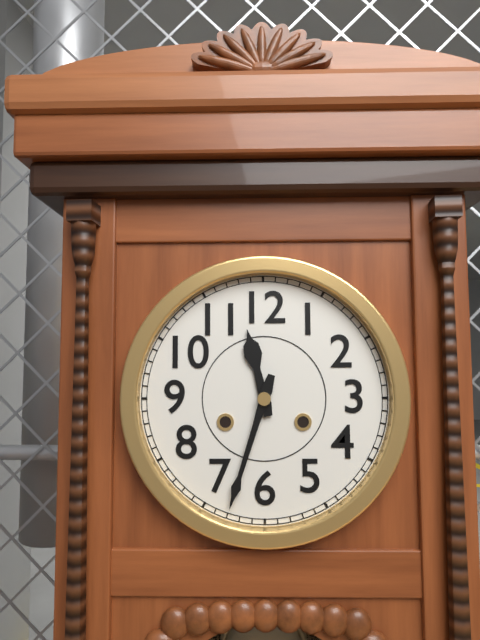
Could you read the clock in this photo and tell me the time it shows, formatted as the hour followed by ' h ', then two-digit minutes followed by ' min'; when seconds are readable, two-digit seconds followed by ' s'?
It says 11 h 33 min
